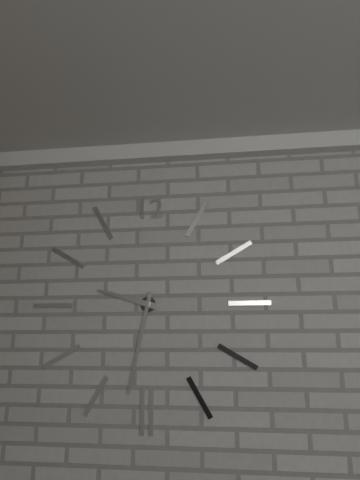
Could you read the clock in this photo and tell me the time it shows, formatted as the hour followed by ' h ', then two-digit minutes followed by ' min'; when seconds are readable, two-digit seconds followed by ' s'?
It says 9 h 32 min
